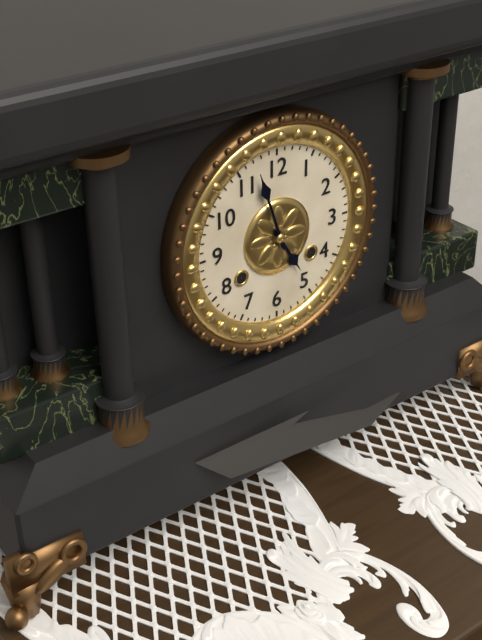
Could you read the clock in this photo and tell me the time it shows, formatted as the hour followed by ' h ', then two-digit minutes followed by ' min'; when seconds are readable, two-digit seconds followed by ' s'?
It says 4 h 57 min
